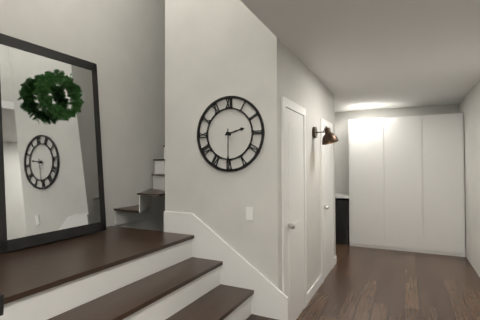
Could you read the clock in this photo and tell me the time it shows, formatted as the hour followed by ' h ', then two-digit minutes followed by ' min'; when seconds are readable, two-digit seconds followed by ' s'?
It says 2 h 30 min
